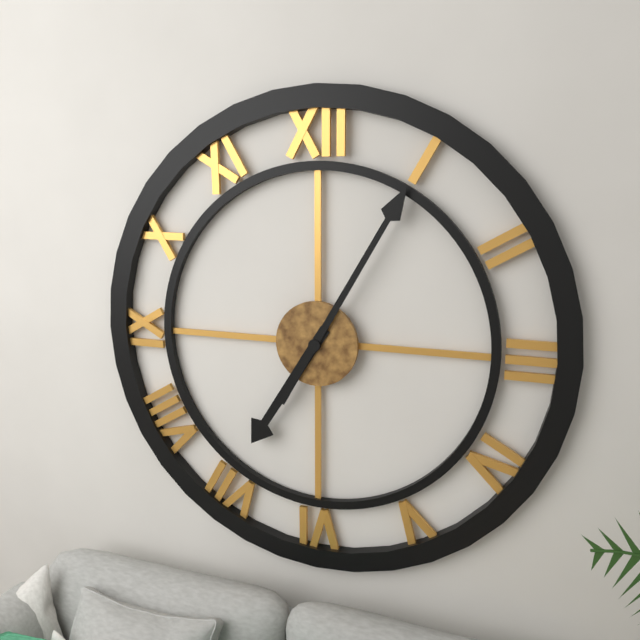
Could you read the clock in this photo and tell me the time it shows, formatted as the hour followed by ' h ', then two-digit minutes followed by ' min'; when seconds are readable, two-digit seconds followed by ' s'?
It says 7 h 05 min
